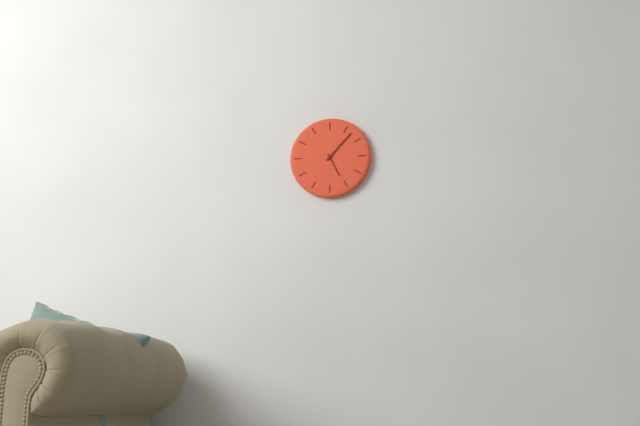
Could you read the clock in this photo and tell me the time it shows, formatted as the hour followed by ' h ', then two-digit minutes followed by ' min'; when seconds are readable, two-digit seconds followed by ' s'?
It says 5 h 07 min
